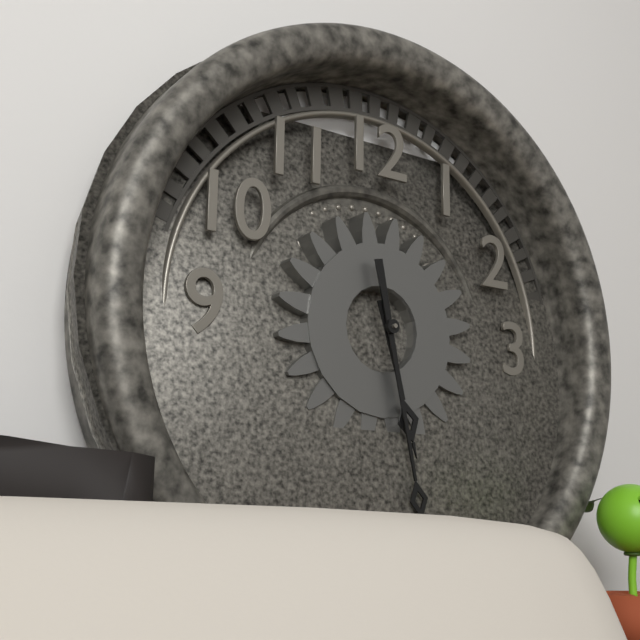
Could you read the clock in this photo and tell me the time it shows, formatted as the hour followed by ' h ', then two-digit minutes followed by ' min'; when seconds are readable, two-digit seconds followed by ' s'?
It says 5 h 28 min
